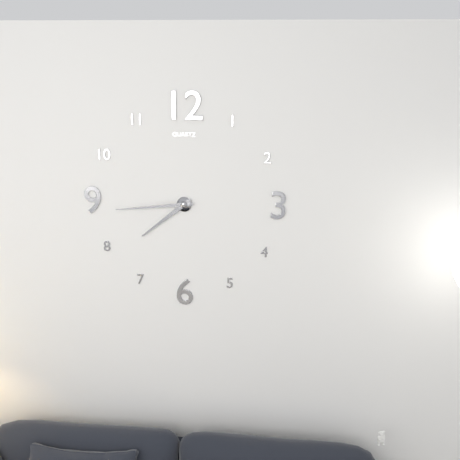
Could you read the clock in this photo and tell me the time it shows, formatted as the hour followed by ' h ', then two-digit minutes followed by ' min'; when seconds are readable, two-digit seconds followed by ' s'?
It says 7 h 44 min
